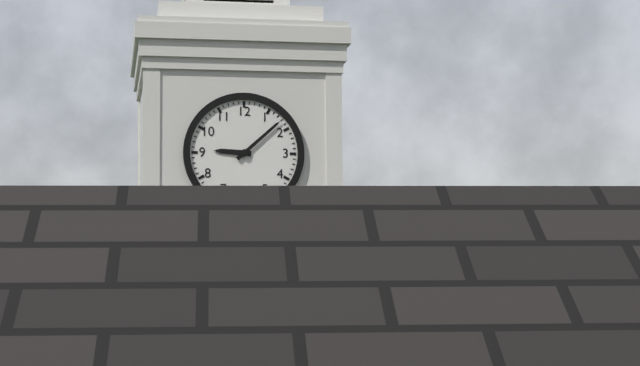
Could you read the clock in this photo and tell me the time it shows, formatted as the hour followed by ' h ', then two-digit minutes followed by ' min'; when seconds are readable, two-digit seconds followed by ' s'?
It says 9 h 08 min
